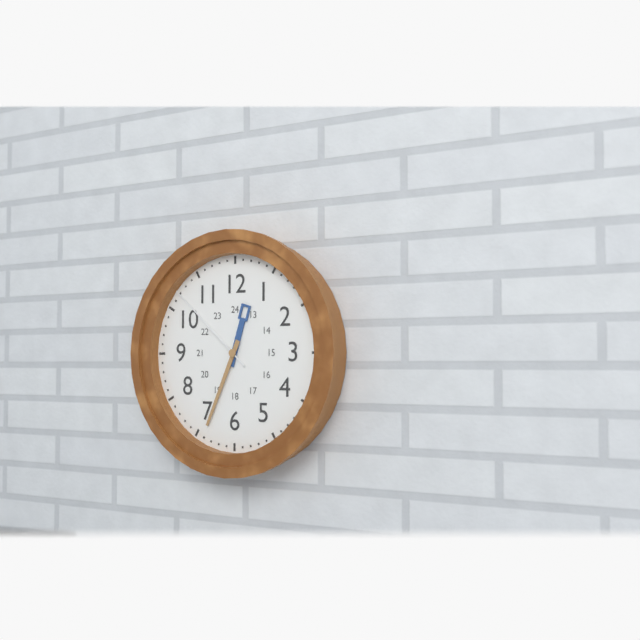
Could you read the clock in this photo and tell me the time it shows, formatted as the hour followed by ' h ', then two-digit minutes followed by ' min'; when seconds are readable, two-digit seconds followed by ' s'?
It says 12 h 34 min 52 s
